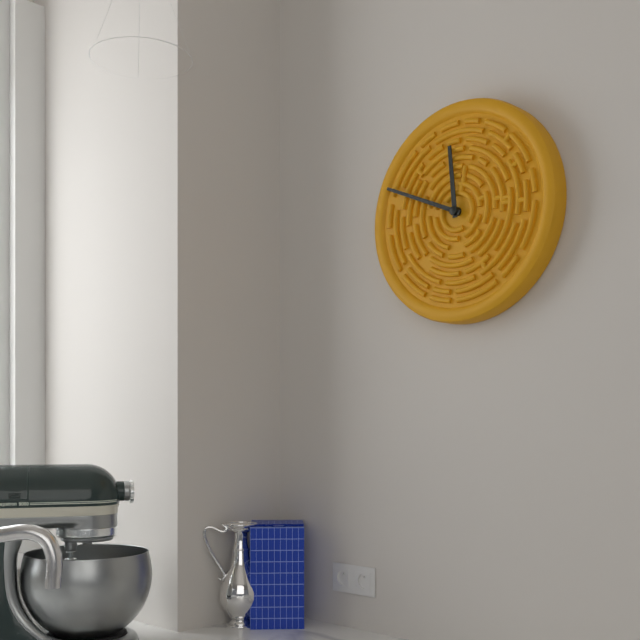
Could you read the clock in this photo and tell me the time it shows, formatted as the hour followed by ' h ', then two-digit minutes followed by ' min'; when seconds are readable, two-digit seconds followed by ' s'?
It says 11 h 49 min
